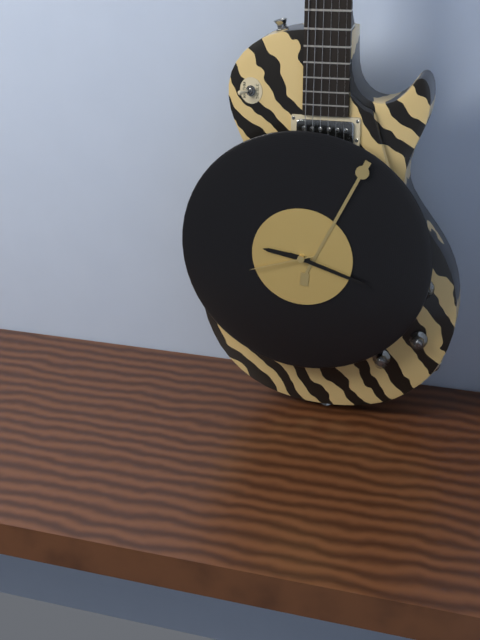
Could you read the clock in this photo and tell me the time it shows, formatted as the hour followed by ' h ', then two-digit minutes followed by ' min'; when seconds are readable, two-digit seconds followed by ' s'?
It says 9 h 18 min 42 s
